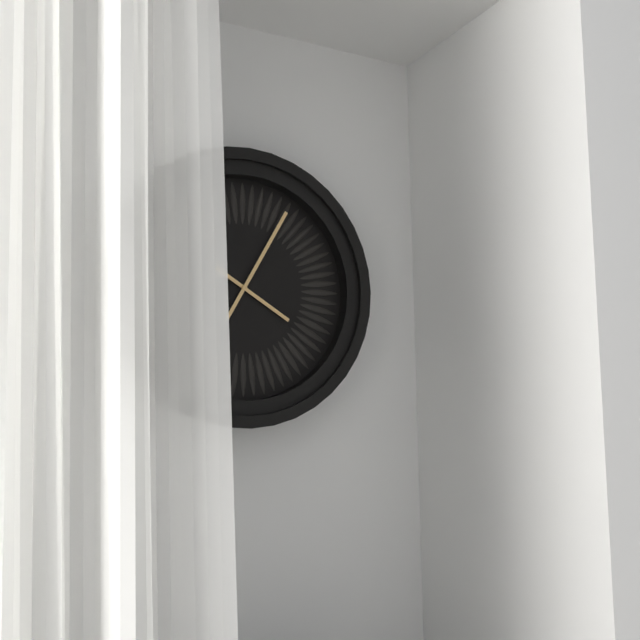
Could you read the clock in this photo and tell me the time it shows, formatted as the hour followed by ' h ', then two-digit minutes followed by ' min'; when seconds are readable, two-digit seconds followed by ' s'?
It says 4 h 05 min
